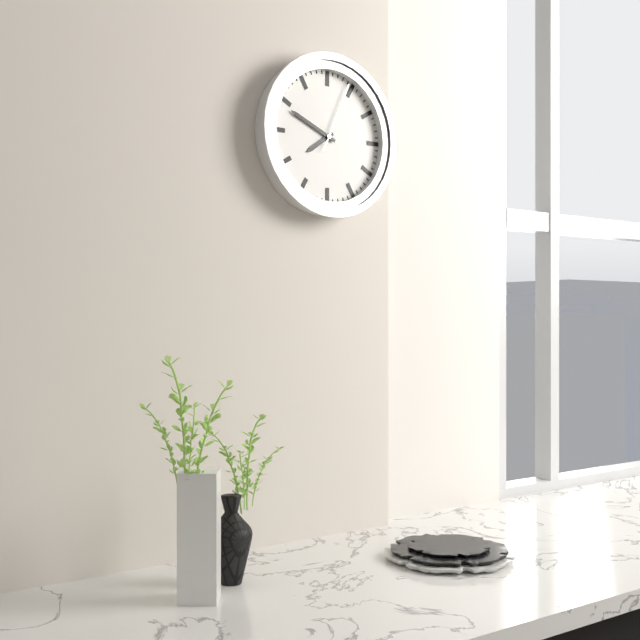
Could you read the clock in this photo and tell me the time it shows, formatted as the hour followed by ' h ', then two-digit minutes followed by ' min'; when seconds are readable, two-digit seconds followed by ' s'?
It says 7 h 49 min 04 s
